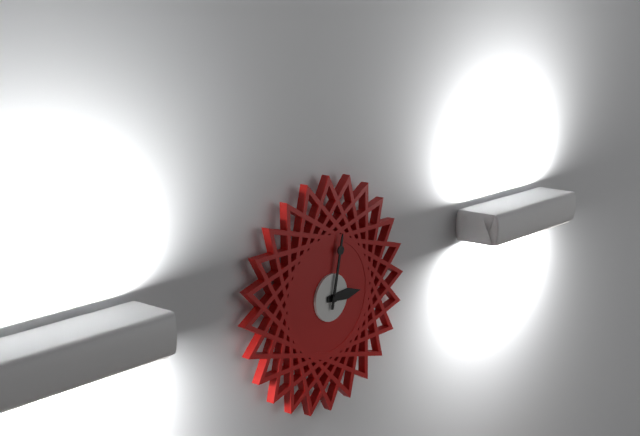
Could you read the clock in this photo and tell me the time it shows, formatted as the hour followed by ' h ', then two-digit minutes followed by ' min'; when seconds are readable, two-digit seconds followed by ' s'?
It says 3 h 02 min
